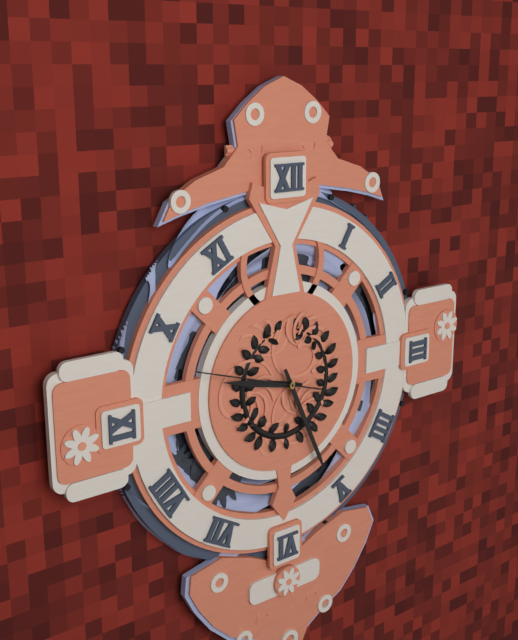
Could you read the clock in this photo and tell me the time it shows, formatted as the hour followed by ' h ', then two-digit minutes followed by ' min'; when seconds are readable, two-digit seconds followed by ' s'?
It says 9 h 26 min 48 s
